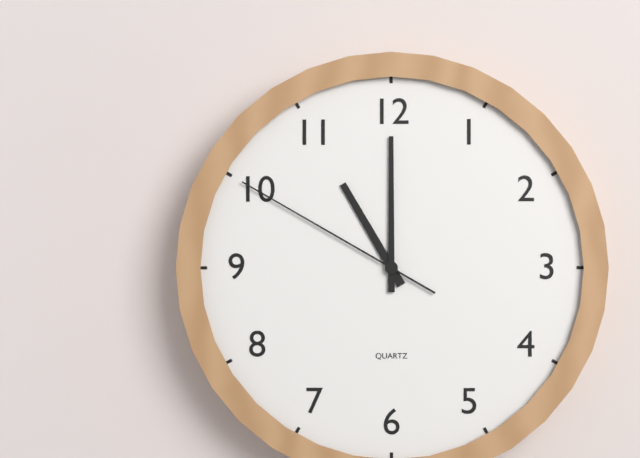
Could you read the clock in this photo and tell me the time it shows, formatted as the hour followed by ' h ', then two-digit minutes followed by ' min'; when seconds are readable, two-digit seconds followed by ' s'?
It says 11 h 00 min 50 s
